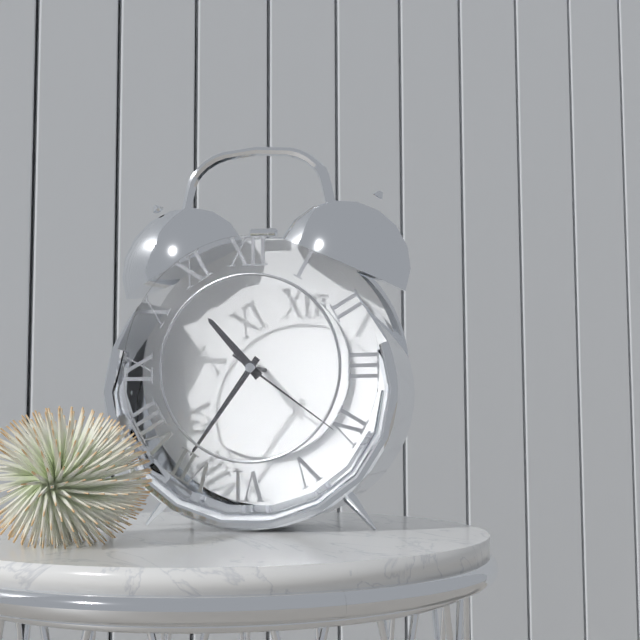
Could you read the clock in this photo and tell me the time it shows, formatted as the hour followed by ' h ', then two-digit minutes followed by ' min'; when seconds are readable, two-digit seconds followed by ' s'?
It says 10 h 36 min 21 s
